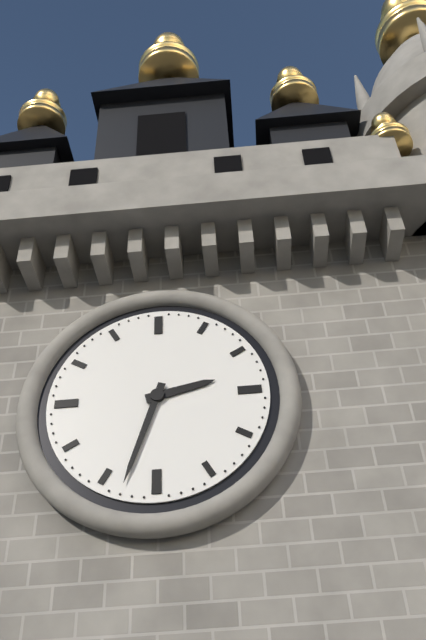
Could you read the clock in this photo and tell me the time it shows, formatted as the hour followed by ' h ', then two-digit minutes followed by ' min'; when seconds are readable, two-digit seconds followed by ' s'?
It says 2 h 33 min
